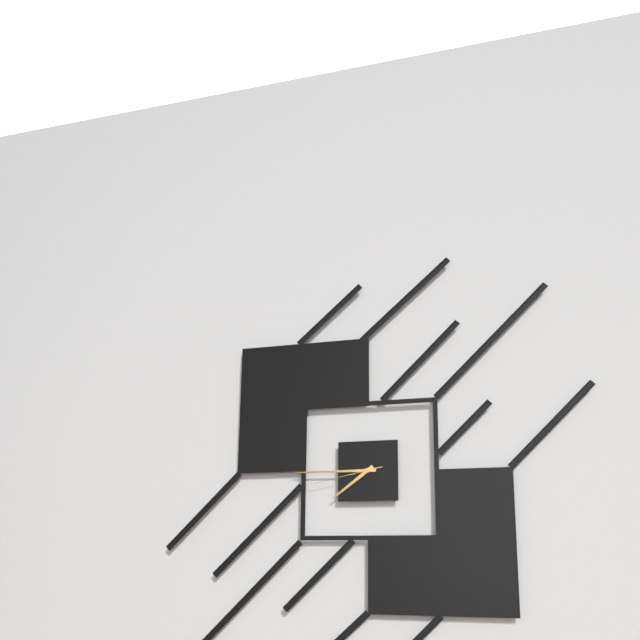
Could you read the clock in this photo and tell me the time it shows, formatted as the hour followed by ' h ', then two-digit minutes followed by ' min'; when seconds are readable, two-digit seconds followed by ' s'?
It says 7 h 45 min 43 s
